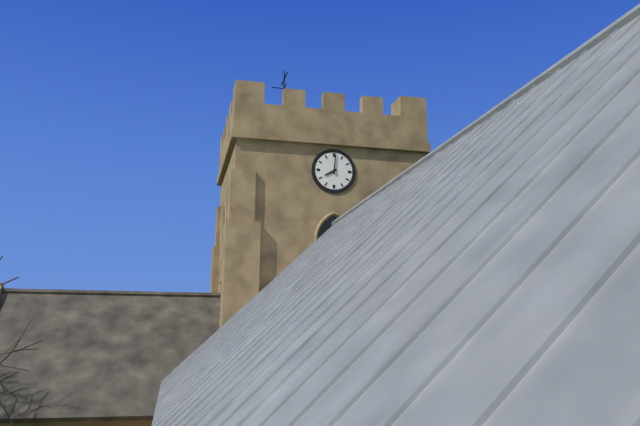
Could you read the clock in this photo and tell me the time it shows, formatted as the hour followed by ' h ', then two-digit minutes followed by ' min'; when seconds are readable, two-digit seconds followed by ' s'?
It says 8 h 01 min
